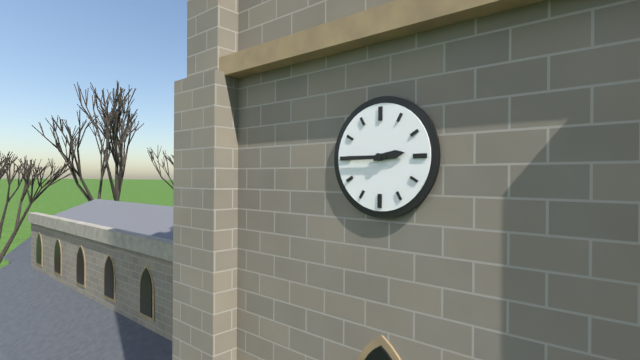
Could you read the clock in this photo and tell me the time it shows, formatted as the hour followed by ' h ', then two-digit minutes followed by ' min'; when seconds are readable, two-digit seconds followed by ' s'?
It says 2 h 45 min
